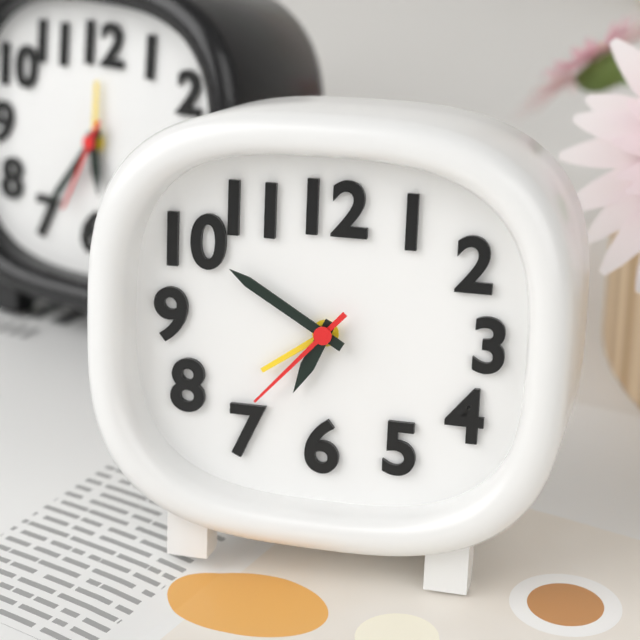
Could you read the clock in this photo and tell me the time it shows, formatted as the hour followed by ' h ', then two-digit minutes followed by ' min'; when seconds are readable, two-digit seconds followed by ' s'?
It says 6 h 50 min 37 s
